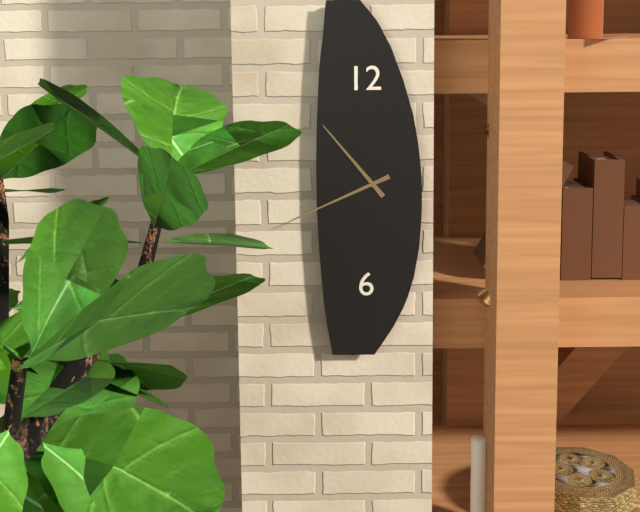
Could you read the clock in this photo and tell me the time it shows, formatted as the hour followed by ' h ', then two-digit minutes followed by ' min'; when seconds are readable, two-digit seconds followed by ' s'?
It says 10 h 41 min
